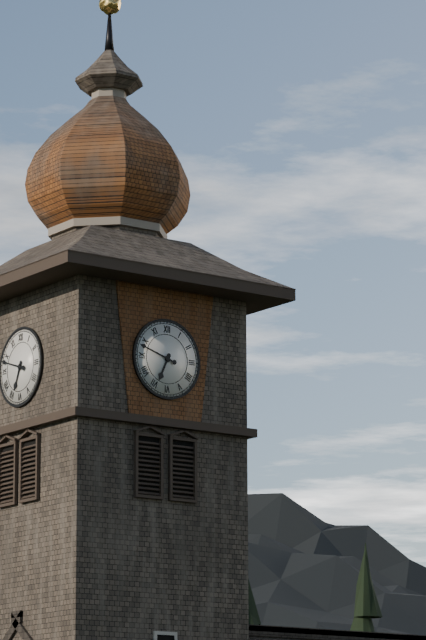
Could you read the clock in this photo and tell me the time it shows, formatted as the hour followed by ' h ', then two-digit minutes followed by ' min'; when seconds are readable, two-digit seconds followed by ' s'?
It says 6 h 48 min
